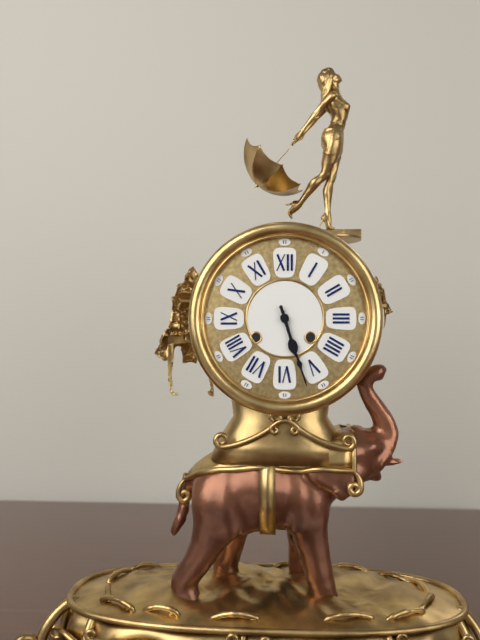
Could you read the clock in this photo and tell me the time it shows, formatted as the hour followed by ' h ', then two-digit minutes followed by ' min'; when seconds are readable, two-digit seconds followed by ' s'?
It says 5 h 27 min
